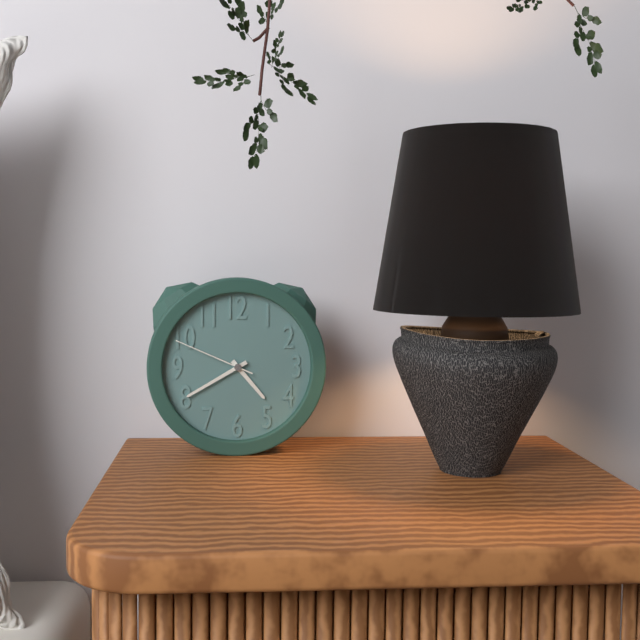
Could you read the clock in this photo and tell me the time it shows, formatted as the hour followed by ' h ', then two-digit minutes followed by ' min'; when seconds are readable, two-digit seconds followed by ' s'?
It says 4 h 40 min 49 s
